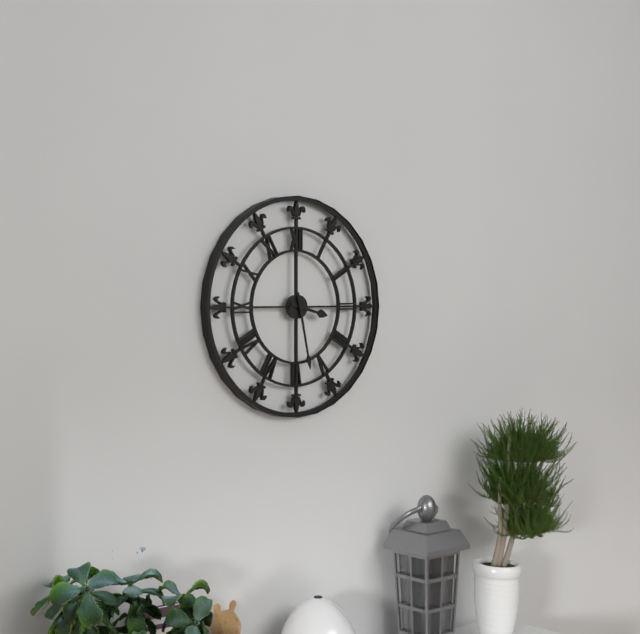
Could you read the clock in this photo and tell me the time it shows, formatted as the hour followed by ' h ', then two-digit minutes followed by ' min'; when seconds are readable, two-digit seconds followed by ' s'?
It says 3 h 28 min
